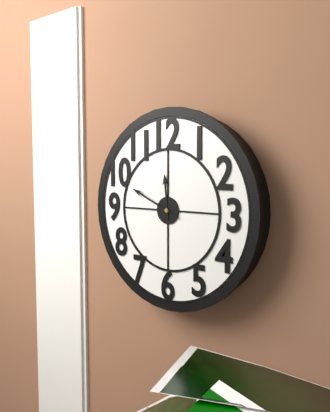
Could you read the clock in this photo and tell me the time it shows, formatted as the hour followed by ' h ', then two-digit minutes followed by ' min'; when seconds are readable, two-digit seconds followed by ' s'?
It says 11 h 49 min
